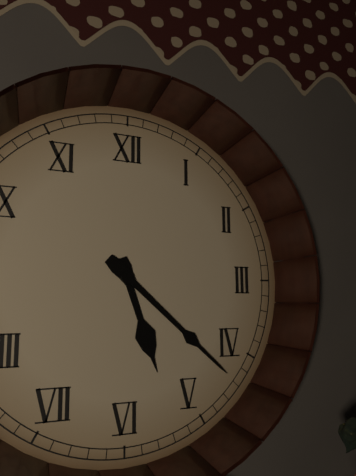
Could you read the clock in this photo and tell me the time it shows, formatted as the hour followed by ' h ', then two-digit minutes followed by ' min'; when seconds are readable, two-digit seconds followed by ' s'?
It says 5 h 22 min
